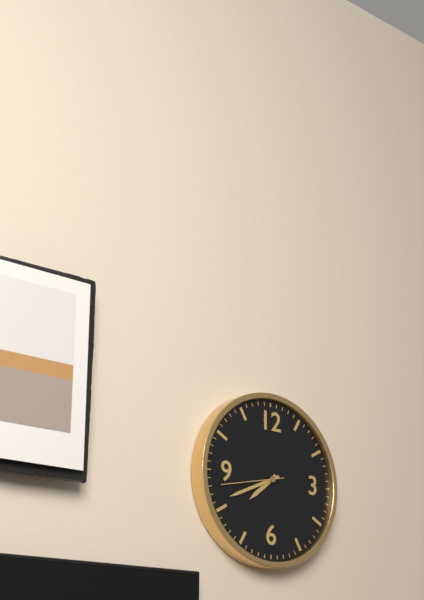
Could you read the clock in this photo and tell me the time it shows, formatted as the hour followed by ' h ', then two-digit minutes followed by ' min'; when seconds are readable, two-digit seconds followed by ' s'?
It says 7 h 41 min 43 s
